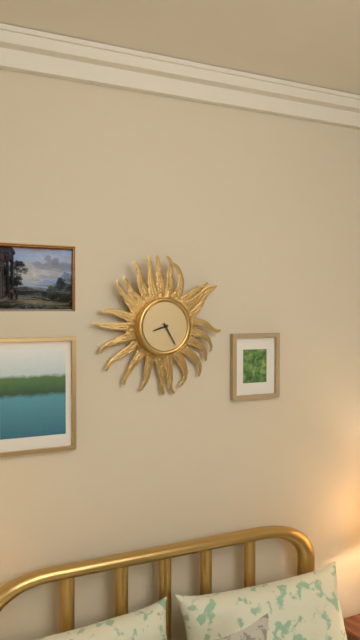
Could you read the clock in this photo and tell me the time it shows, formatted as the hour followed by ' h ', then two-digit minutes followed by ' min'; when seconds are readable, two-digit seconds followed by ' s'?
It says 8 h 25 min
